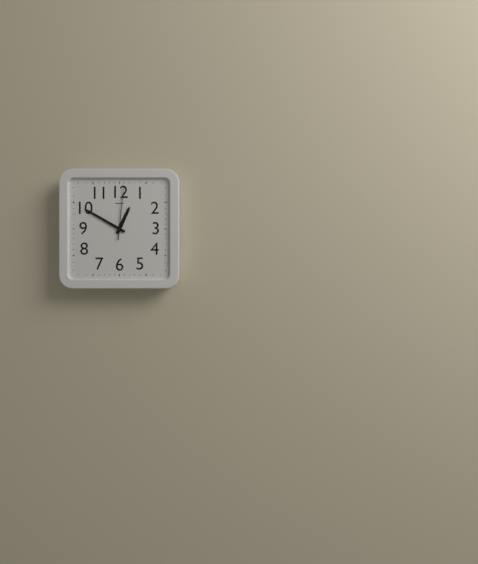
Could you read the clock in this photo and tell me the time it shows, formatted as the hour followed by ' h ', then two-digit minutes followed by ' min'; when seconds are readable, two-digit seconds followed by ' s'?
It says 12 h 50 min 01 s
